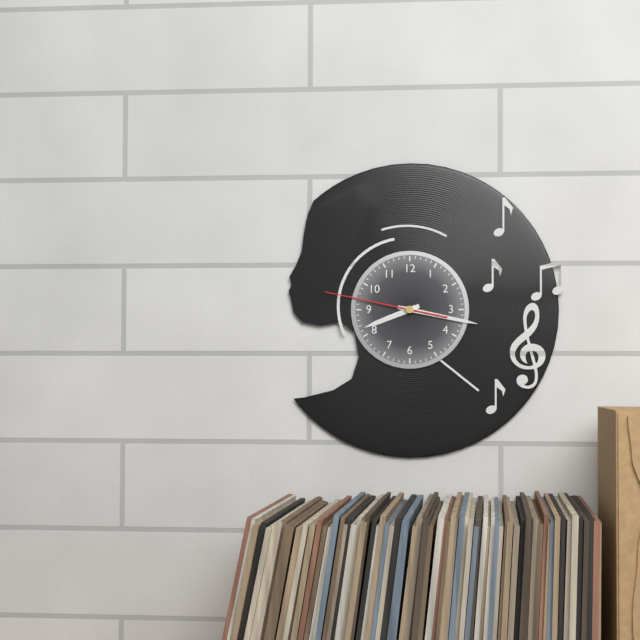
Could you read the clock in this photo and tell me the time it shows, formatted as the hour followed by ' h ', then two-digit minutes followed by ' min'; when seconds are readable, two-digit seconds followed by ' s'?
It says 8 h 17 min 47 s
